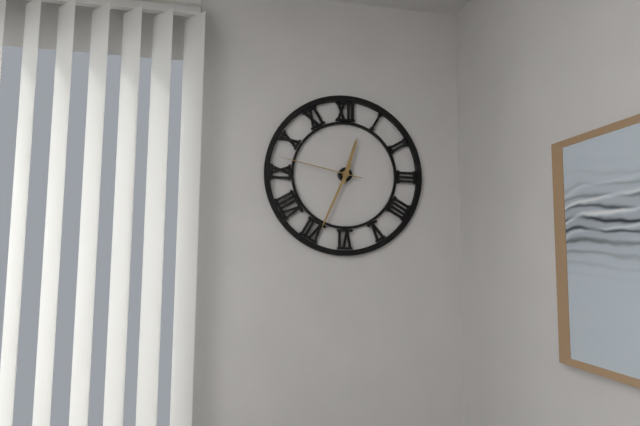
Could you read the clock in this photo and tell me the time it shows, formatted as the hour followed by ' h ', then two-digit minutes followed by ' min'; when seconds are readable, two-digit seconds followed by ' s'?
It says 12 h 34 min 47 s
